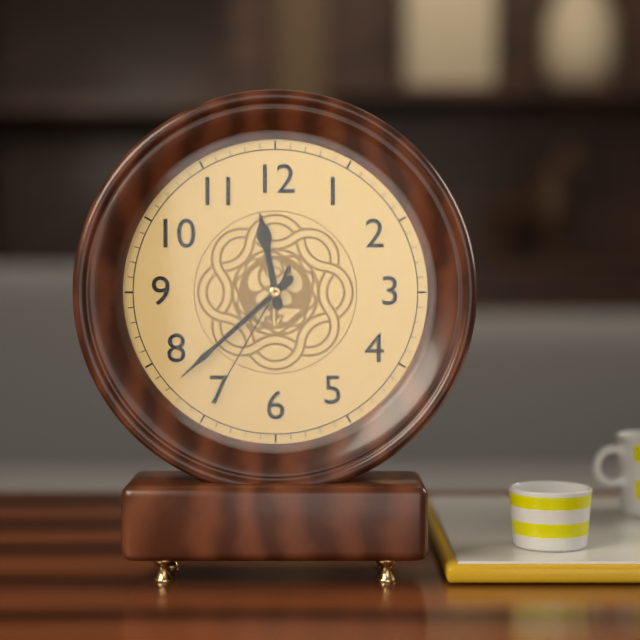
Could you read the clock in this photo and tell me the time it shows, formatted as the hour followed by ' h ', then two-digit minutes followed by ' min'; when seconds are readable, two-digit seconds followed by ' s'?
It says 11 h 38 min 35 s
